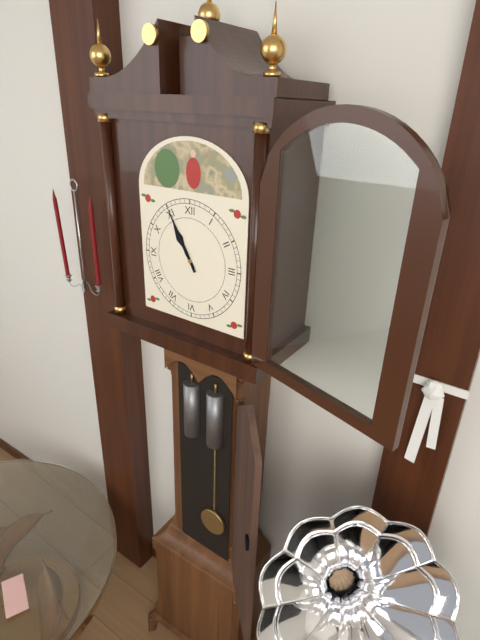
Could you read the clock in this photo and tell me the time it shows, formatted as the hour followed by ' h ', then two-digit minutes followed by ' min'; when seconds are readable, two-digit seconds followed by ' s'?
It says 10 h 55 min
